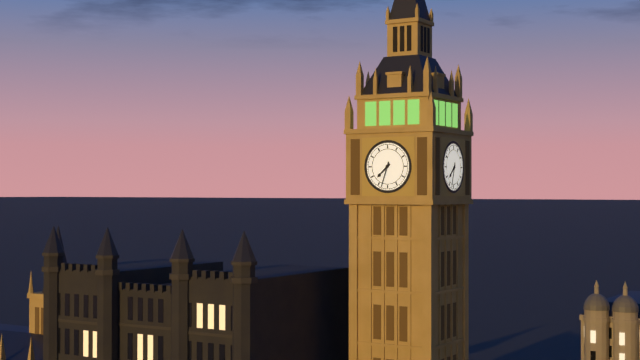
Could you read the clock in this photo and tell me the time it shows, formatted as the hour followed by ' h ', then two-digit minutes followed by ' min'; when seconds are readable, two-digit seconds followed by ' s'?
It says 7 h 33 min
